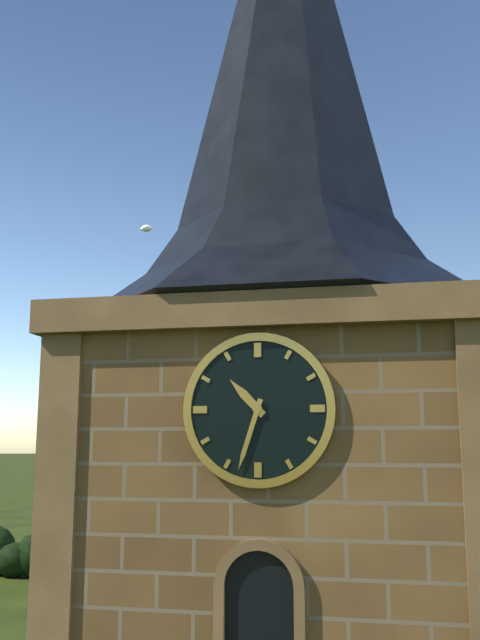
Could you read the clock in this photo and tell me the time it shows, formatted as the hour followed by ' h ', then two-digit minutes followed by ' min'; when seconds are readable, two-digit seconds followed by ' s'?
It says 10 h 33 min
